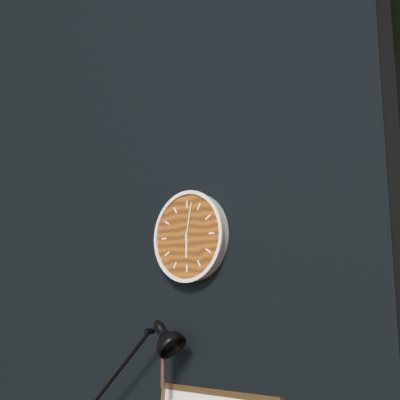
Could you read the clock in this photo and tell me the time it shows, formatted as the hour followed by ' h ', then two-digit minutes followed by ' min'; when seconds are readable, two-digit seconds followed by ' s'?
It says 6 h 02 min
